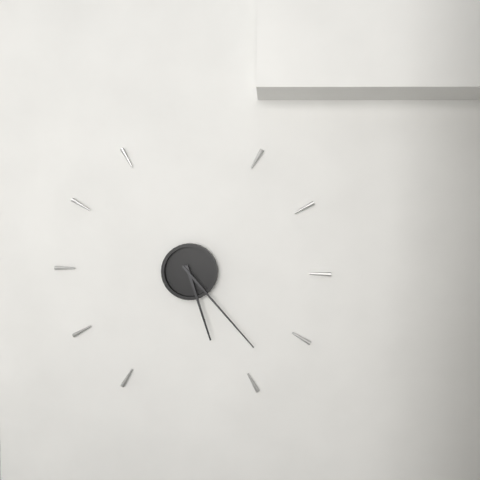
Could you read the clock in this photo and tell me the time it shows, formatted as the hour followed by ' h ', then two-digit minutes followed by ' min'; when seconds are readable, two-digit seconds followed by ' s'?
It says 5 h 23 min
